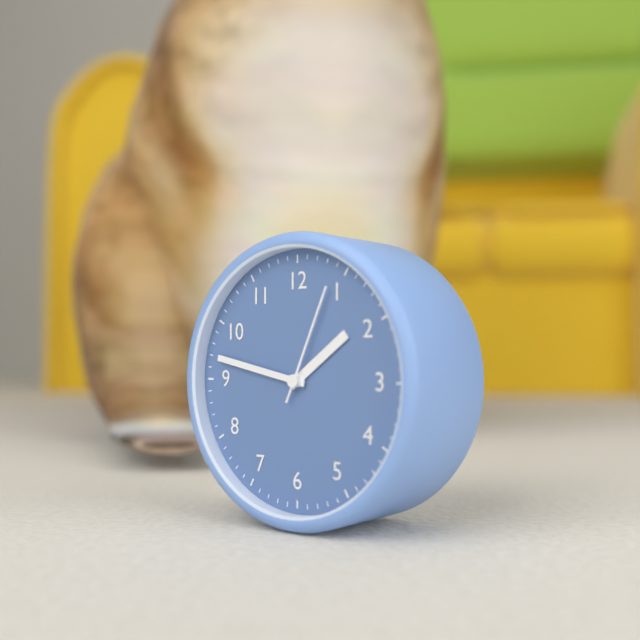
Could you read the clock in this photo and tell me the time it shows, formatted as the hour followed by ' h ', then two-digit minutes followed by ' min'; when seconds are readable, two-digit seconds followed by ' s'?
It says 1 h 47 min 04 s
